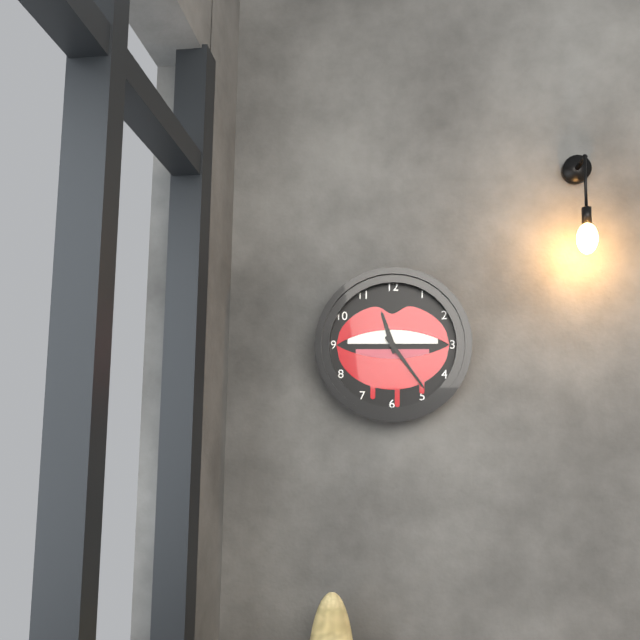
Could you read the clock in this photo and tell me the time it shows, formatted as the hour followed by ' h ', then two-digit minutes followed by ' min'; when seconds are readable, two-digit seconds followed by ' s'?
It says 11 h 24 min
